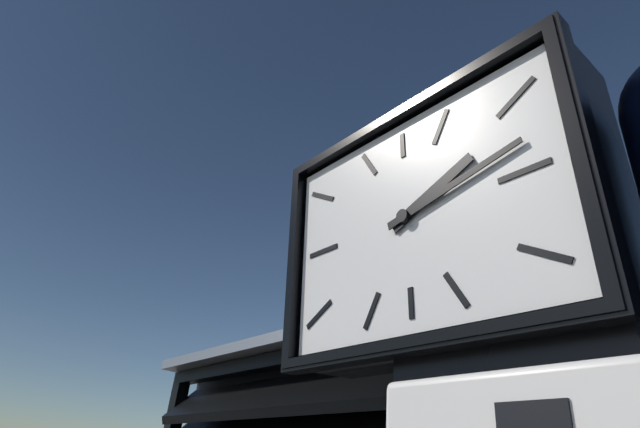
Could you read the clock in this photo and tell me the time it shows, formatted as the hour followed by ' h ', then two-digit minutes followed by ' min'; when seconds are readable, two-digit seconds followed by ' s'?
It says 2 h 13 min
